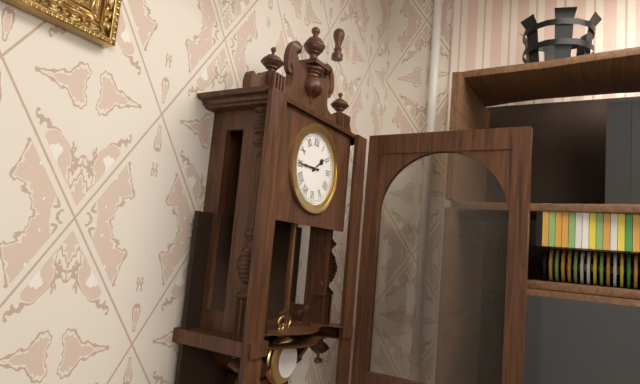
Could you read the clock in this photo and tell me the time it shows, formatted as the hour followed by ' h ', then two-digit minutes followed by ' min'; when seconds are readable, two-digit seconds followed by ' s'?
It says 1 h 45 min
